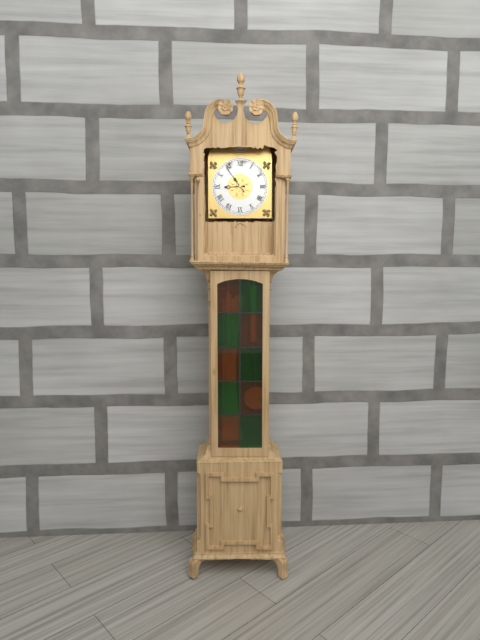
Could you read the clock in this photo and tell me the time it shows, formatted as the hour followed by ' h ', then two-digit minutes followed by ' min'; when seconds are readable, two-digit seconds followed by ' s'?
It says 8 h 54 min
